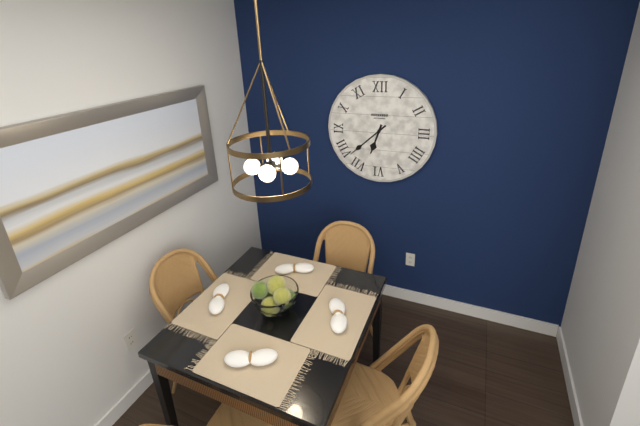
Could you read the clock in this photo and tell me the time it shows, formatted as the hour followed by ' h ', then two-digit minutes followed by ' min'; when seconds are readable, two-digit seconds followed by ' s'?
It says 6 h 38 min
